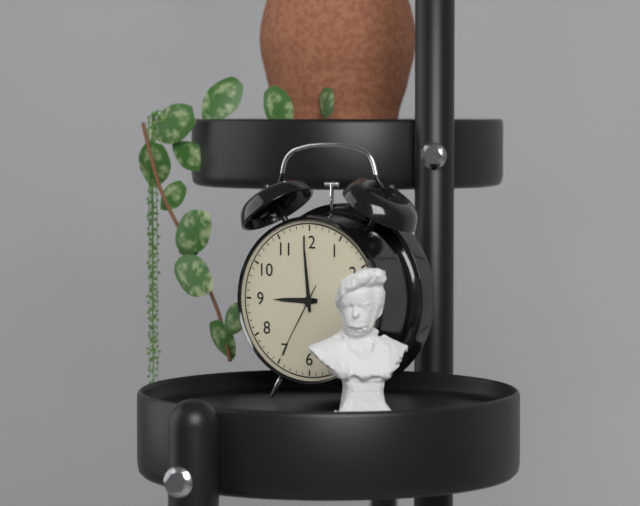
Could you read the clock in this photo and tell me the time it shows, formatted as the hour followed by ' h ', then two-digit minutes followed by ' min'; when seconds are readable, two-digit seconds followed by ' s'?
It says 8 h 59 min 35 s
